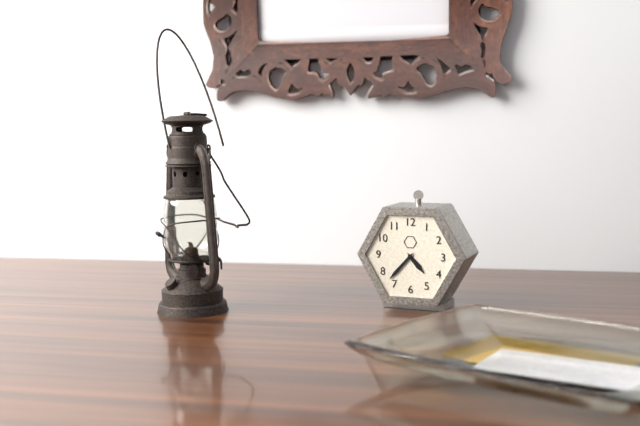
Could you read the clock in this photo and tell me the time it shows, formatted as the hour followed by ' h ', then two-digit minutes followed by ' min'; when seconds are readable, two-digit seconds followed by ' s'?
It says 4 h 37 min
